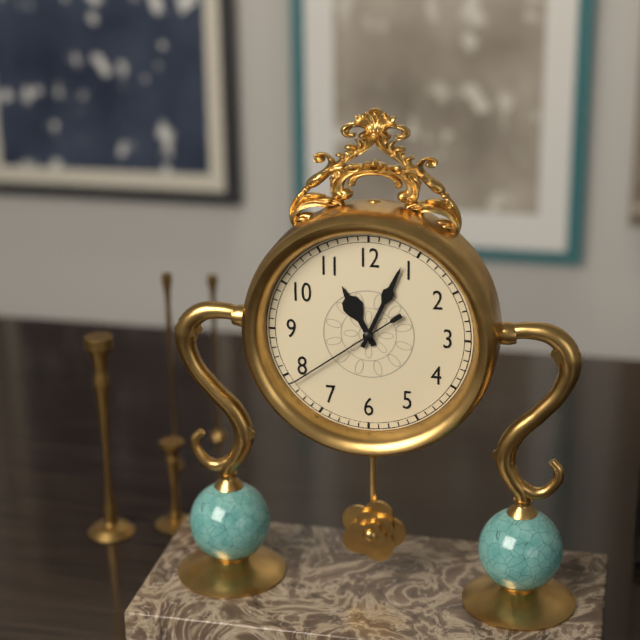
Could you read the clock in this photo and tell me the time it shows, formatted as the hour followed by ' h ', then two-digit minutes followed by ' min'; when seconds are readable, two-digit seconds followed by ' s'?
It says 11 h 04 min 39 s
